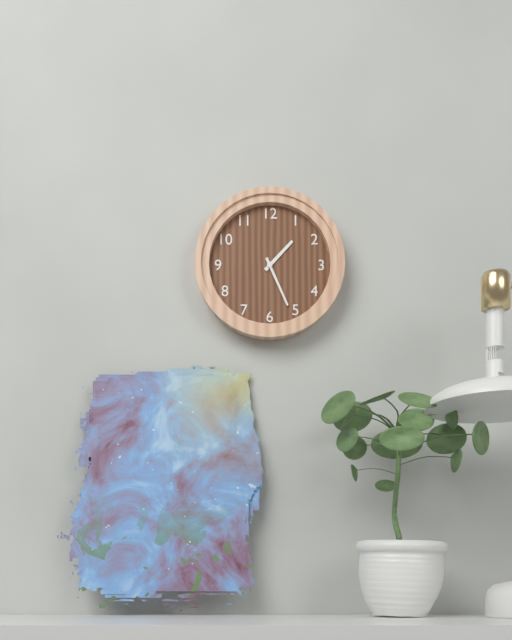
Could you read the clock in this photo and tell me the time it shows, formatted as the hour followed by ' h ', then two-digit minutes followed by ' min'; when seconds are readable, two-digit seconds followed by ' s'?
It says 1 h 26 min
